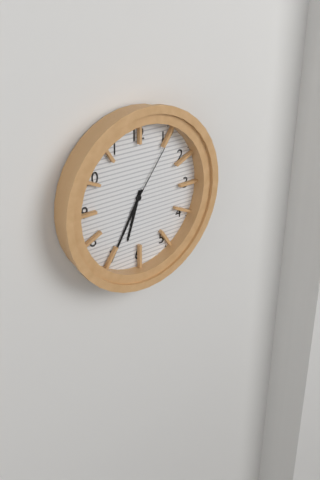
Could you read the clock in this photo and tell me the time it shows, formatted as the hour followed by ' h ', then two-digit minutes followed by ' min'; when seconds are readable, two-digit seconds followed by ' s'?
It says 6 h 35 min 06 s
